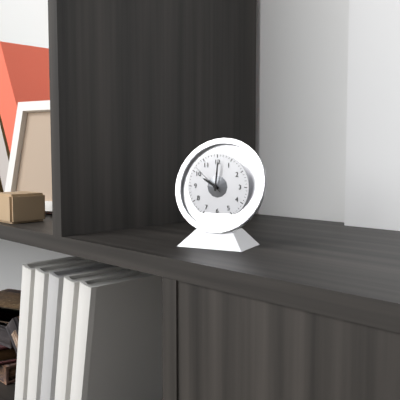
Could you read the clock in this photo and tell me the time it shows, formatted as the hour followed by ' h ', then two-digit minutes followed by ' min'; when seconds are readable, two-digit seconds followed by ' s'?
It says 10 h 01 min
